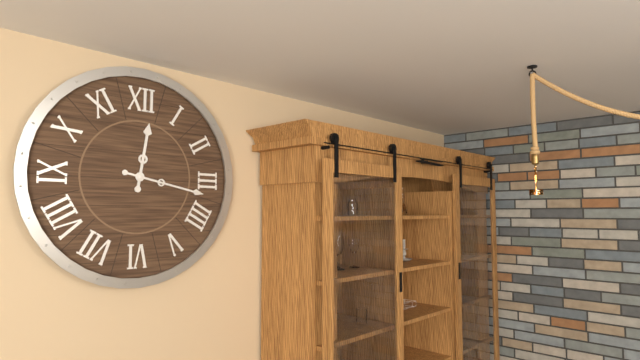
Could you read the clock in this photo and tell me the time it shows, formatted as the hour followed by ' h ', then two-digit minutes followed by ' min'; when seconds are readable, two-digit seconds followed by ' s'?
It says 12 h 17 min
